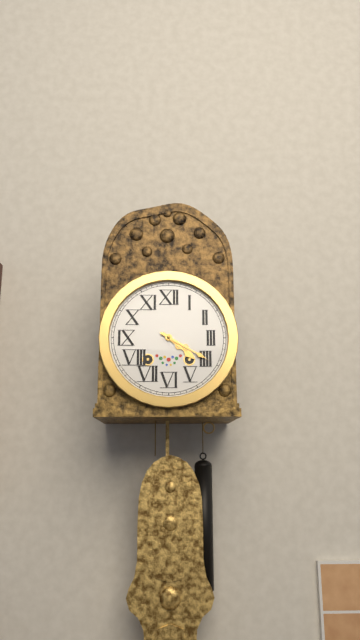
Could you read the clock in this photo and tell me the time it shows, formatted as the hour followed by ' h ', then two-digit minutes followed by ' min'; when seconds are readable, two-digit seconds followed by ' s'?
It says 4 h 20 min
